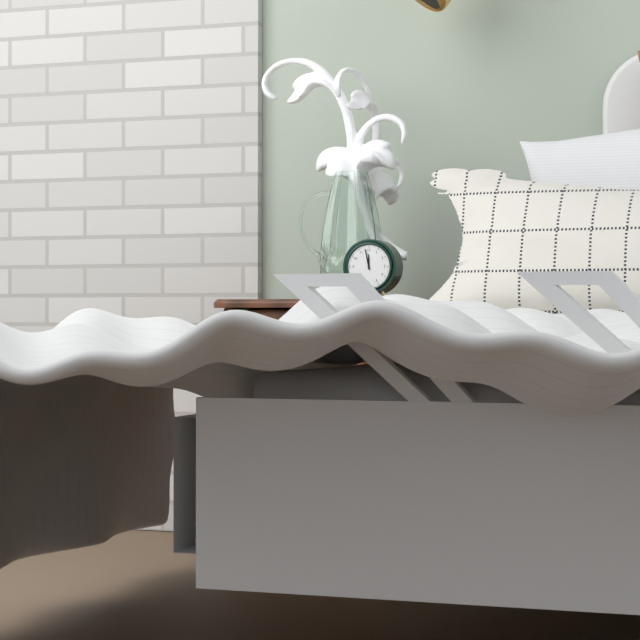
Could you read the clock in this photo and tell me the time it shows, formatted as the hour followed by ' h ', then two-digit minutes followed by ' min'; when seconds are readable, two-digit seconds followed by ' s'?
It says 11 h 58 min
